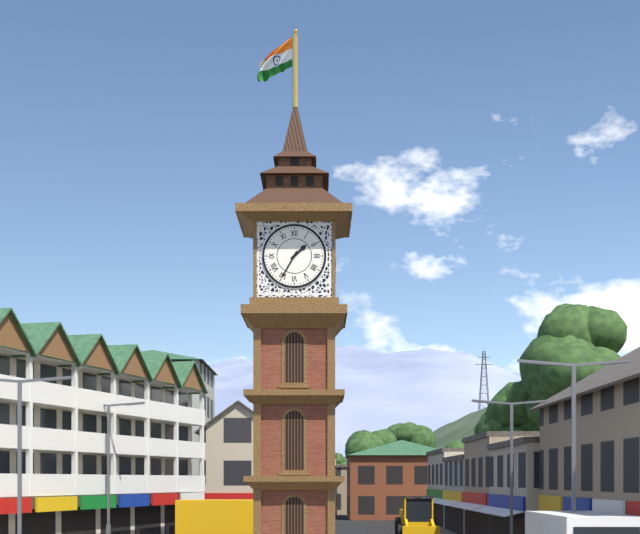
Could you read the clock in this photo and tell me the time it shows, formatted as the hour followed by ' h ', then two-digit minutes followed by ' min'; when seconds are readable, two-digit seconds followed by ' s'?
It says 1 h 35 min
